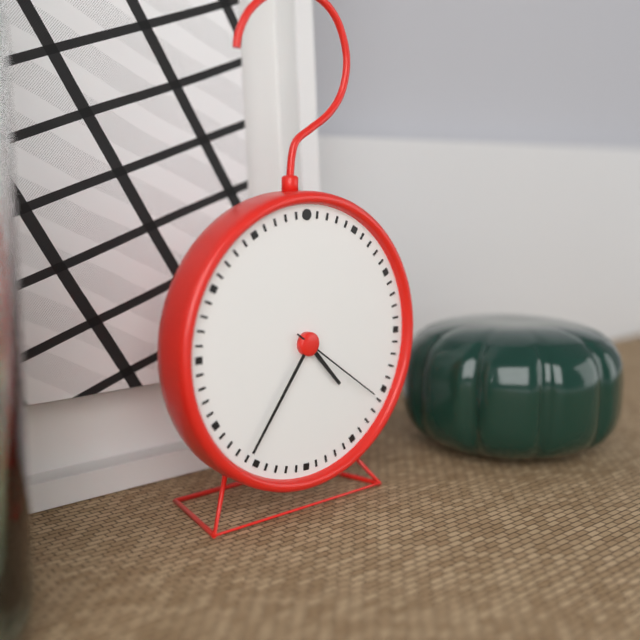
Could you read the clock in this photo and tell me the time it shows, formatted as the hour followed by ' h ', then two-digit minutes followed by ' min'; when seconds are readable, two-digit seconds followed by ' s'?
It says 4 h 36 min 21 s
